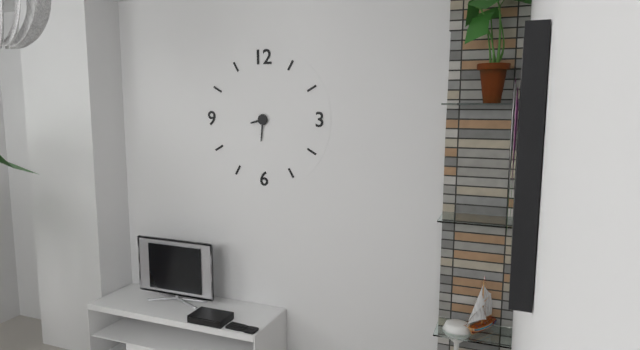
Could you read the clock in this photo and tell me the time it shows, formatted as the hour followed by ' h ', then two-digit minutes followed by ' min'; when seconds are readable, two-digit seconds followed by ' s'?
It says 8 h 31 min
